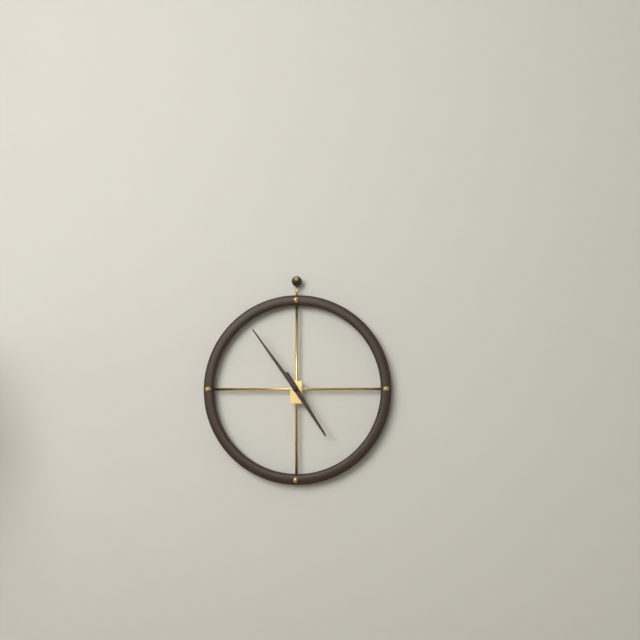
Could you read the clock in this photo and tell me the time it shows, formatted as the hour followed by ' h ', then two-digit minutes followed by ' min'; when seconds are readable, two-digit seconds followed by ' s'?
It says 4 h 54 min
